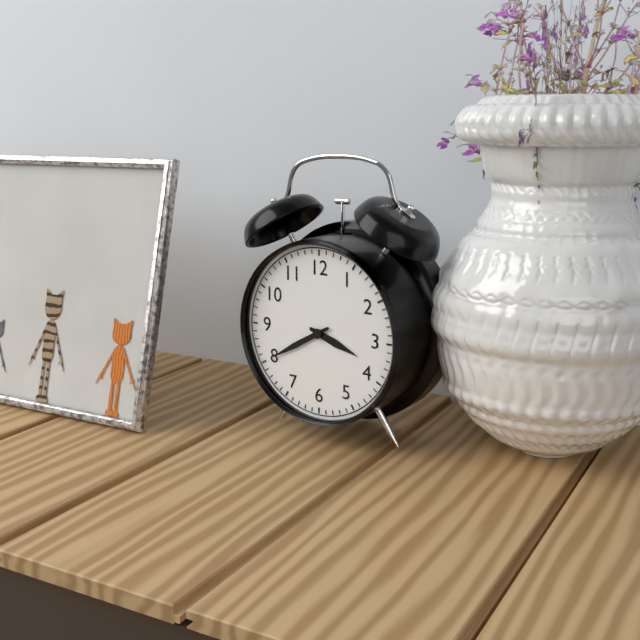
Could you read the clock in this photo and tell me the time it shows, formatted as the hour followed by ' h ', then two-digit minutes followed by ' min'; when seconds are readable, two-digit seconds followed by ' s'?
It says 3 h 40 min
